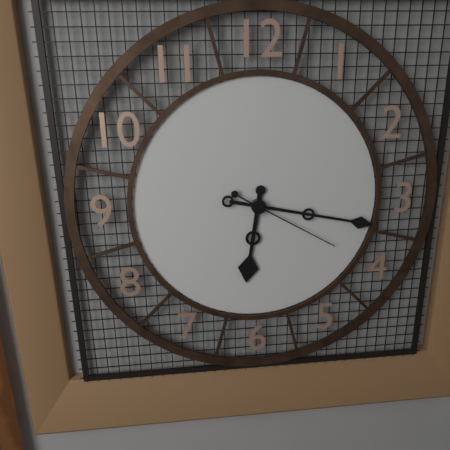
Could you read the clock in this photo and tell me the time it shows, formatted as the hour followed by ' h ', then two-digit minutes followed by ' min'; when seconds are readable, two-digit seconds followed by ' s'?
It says 6 h 17 min 20 s
